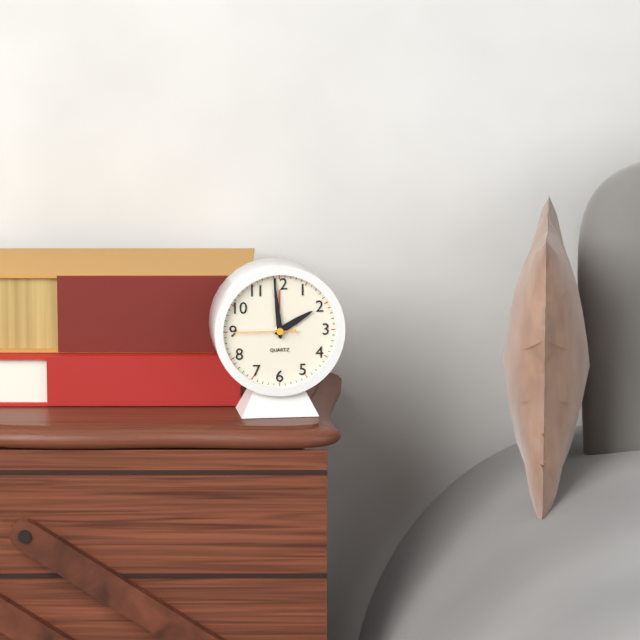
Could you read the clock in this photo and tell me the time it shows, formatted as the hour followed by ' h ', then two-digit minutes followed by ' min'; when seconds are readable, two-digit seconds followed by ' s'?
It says 1 h 59 min 45 s
